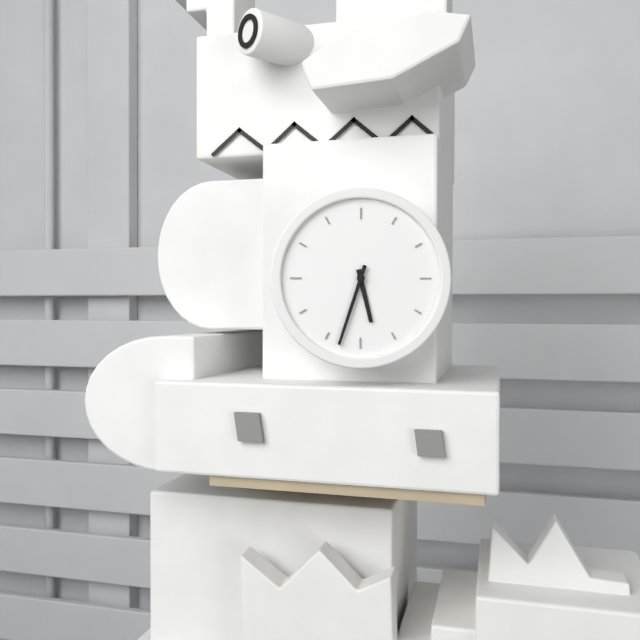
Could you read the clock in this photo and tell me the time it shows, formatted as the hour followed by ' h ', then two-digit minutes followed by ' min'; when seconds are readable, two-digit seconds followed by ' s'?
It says 5 h 33 min
